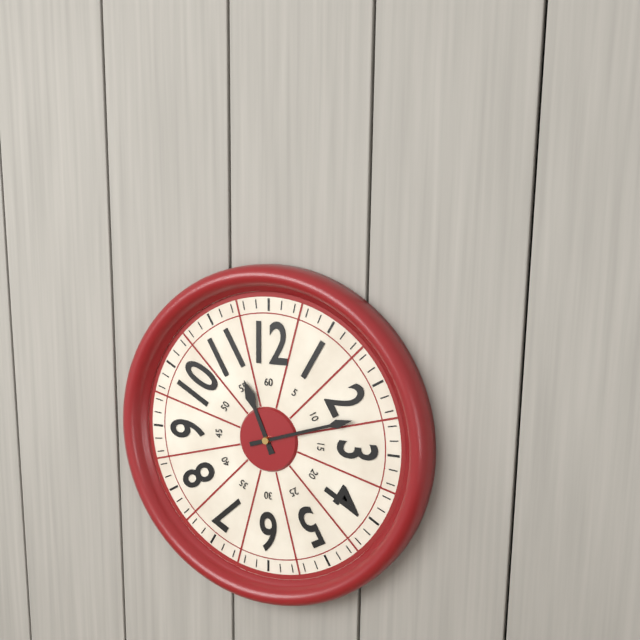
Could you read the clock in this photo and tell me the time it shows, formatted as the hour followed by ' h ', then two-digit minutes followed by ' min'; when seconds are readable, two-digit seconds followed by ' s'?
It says 11 h 12 min
